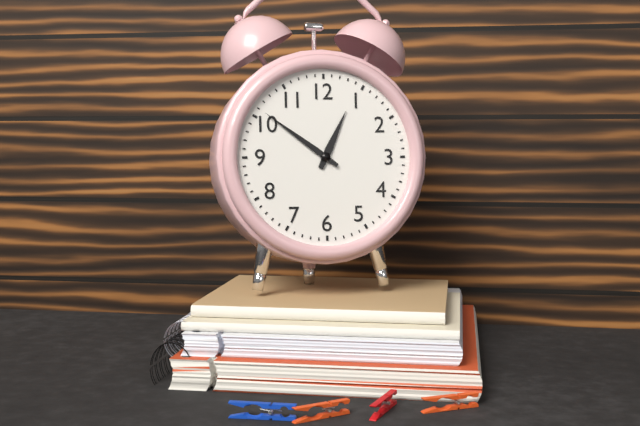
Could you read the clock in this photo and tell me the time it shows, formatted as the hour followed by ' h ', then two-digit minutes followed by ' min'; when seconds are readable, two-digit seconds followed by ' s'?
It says 12 h 51 min
